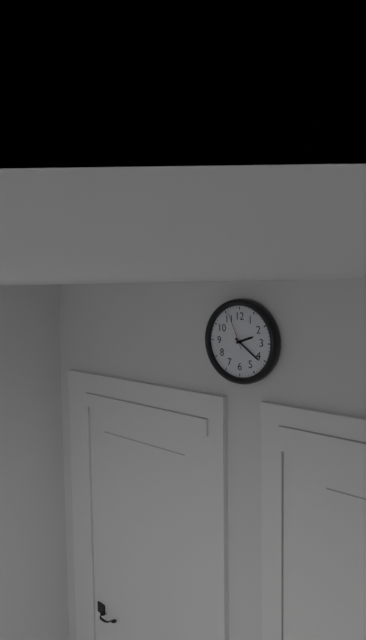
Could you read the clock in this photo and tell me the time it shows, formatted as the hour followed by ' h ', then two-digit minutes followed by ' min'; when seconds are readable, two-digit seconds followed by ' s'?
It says 2 h 21 min
